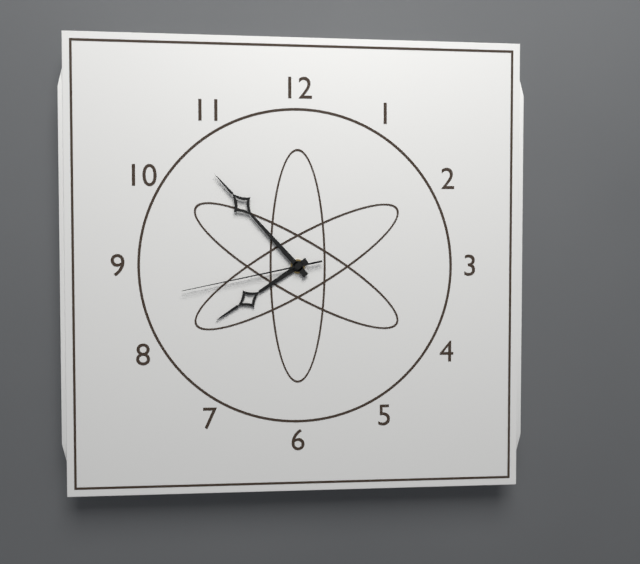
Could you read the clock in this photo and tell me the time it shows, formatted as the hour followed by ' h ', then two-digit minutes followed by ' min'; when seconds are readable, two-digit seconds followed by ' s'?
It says 7 h 53 min 43 s
